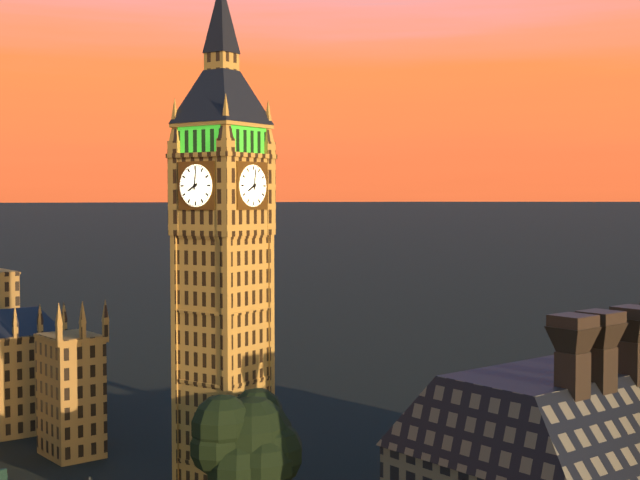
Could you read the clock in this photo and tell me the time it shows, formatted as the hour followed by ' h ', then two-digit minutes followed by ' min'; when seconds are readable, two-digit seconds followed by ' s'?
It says 8 h 01 min
